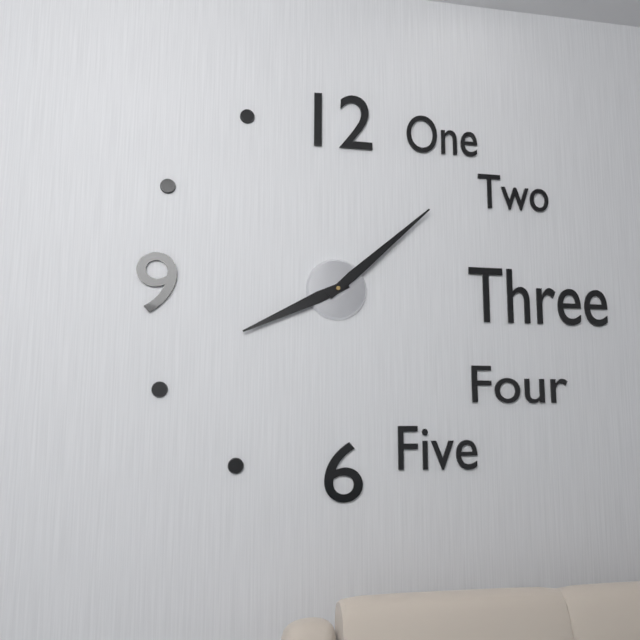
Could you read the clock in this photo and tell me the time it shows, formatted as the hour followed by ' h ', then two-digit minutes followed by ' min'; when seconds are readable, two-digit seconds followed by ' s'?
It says 8 h 08 min
